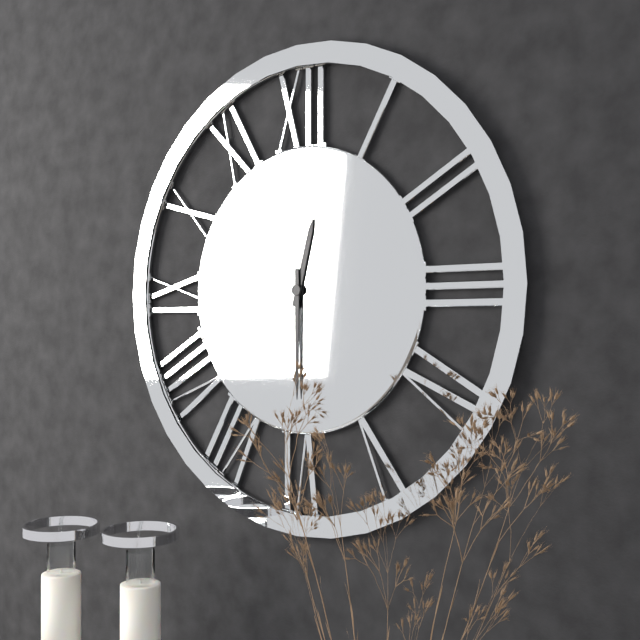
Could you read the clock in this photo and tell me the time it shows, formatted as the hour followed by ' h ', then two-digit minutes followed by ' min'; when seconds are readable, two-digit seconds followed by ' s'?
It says 12 h 30 min
